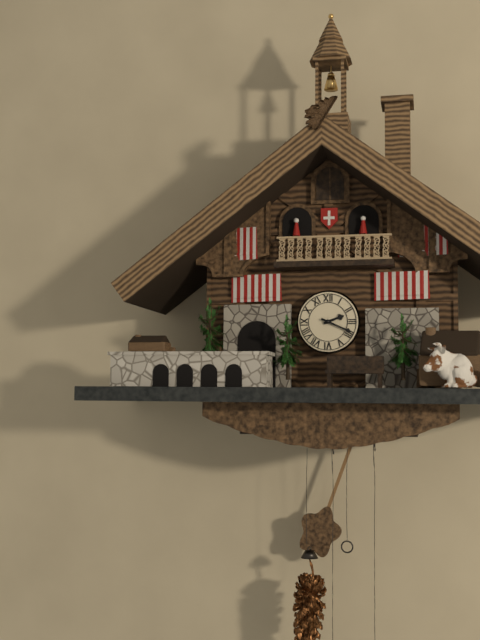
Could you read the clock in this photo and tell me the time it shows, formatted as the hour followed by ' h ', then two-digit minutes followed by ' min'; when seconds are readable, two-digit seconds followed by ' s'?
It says 2 h 19 min
